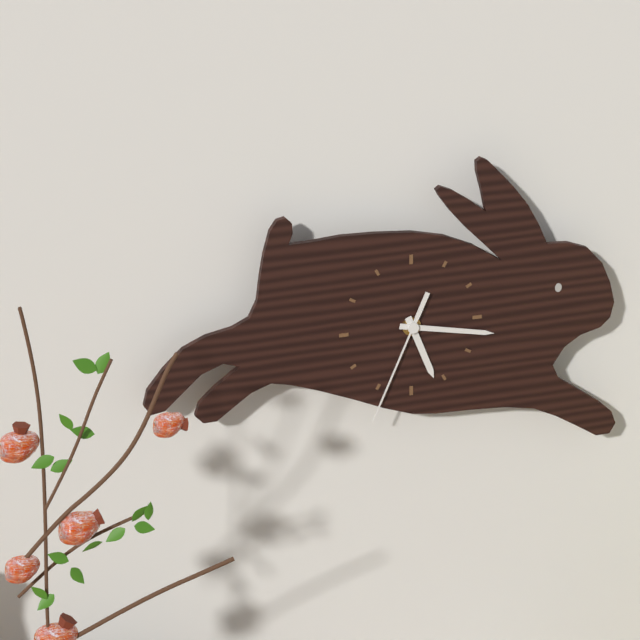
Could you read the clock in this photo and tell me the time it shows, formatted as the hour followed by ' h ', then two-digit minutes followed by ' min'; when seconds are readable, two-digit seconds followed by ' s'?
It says 5 h 17 min 34 s
